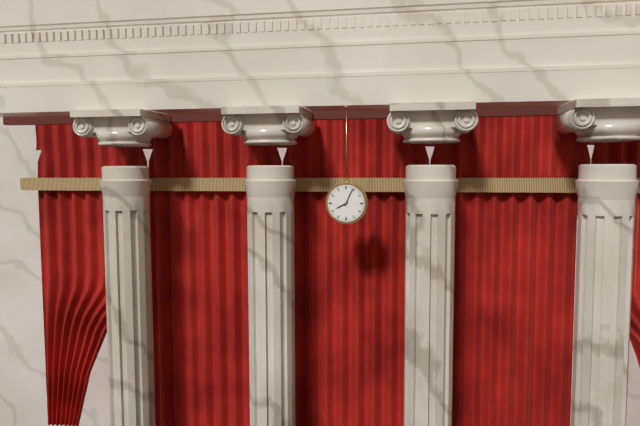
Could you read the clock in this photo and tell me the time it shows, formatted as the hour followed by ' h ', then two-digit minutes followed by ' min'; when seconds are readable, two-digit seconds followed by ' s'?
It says 8 h 04 min
